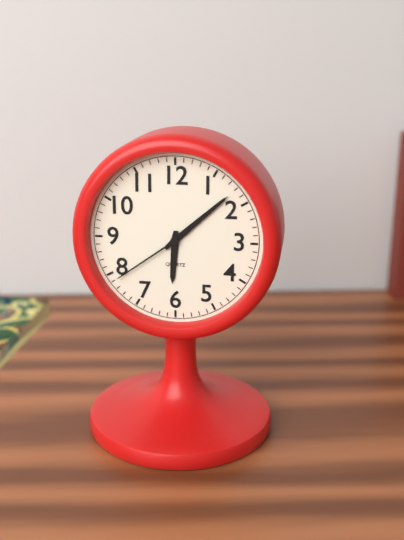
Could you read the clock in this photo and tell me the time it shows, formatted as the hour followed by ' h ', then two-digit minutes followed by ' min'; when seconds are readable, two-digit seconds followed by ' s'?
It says 6 h 08 min 39 s
